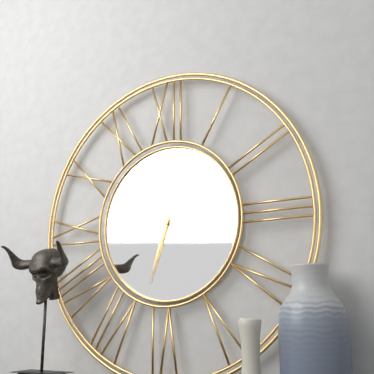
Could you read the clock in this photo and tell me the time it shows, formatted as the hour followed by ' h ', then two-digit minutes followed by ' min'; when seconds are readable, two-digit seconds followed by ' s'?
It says 9 h 33 min
